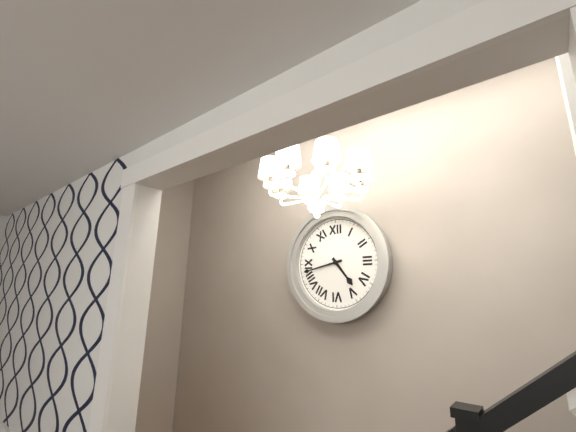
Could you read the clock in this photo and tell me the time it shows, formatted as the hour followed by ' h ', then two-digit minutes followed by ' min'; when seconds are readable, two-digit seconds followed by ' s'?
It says 4 h 43 min
